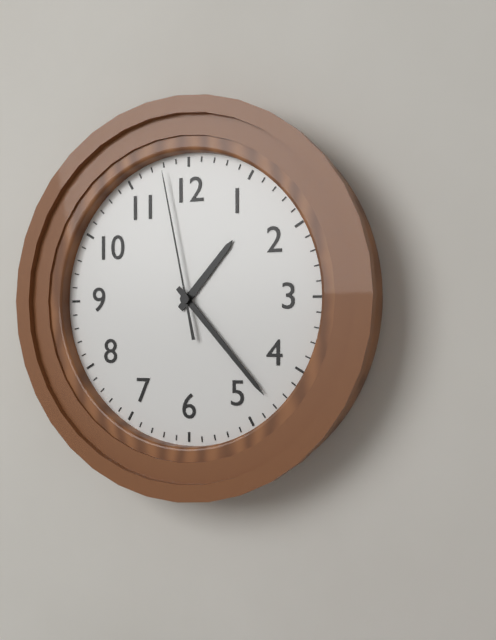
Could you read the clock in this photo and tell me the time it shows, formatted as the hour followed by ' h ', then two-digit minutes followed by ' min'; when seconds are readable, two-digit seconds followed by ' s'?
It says 1 h 23 min 58 s
